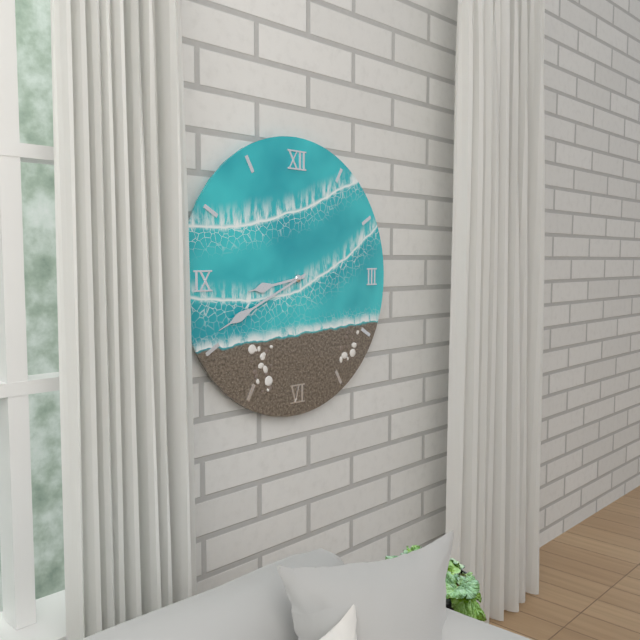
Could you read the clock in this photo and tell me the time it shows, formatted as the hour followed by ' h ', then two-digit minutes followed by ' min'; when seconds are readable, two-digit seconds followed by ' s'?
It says 8 h 41 min
